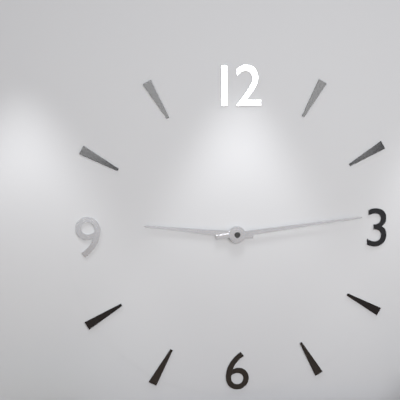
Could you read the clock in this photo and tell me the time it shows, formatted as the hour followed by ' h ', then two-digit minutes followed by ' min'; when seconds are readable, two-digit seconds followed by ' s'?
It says 9 h 14 min
